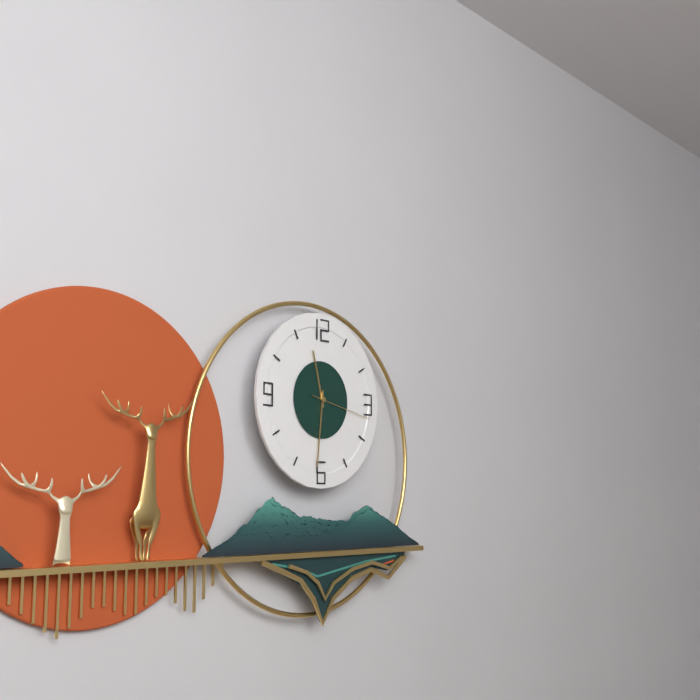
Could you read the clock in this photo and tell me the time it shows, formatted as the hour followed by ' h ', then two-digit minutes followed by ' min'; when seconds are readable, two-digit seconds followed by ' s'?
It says 11 h 31 min 17 s
